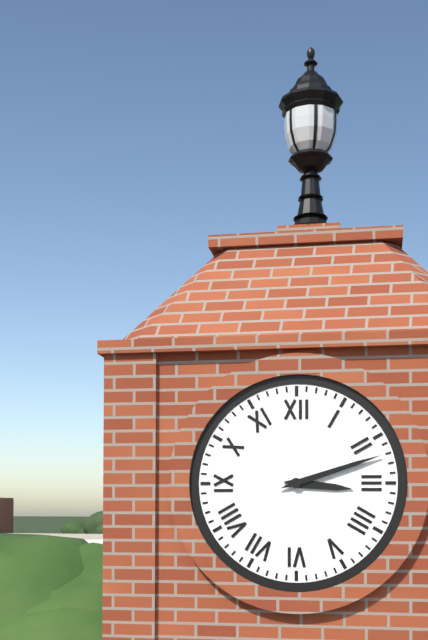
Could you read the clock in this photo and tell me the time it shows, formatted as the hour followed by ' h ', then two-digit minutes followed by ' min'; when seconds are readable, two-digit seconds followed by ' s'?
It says 3 h 12 min
